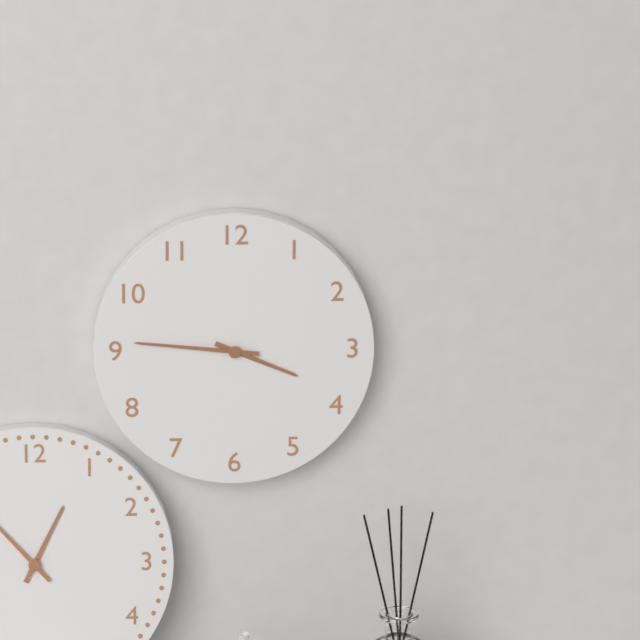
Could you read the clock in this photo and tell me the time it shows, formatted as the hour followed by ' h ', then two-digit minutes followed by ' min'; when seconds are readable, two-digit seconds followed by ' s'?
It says 3 h 46 min
